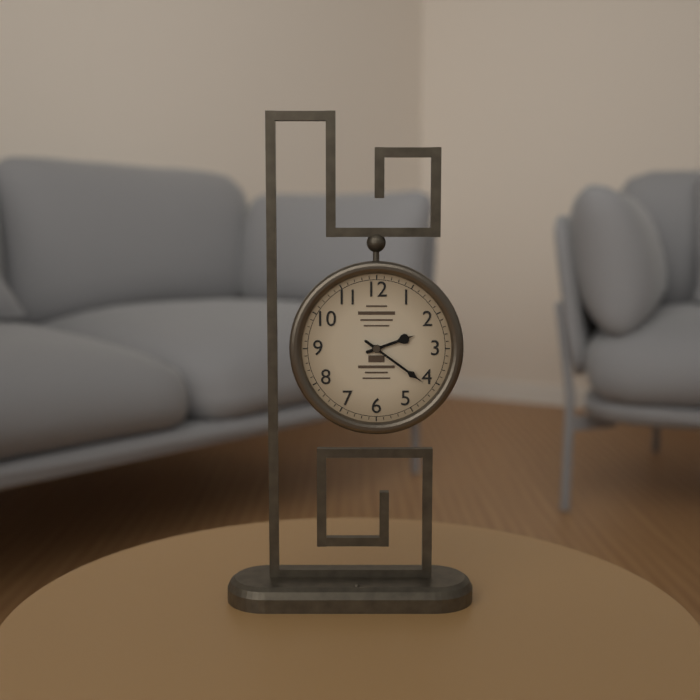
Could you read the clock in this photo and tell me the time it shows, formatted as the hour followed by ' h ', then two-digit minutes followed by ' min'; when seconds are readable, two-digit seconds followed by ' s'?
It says 2 h 21 min
